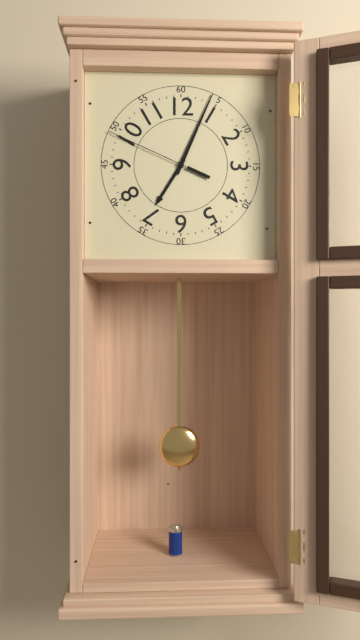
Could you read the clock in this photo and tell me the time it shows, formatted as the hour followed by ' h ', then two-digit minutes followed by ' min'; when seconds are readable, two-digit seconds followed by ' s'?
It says 7 h 04 min 49 s
